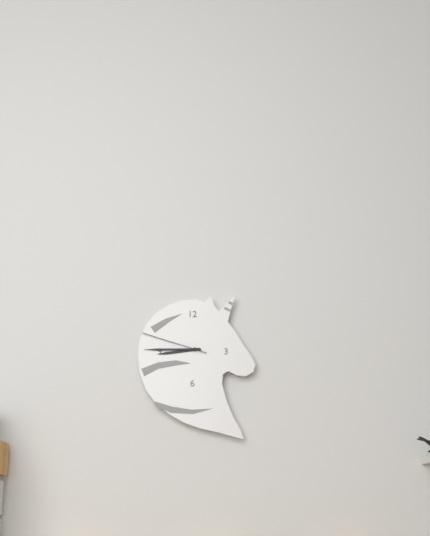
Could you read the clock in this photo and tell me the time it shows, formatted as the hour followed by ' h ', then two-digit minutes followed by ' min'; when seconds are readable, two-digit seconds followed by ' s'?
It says 8 h 45 min 48 s
